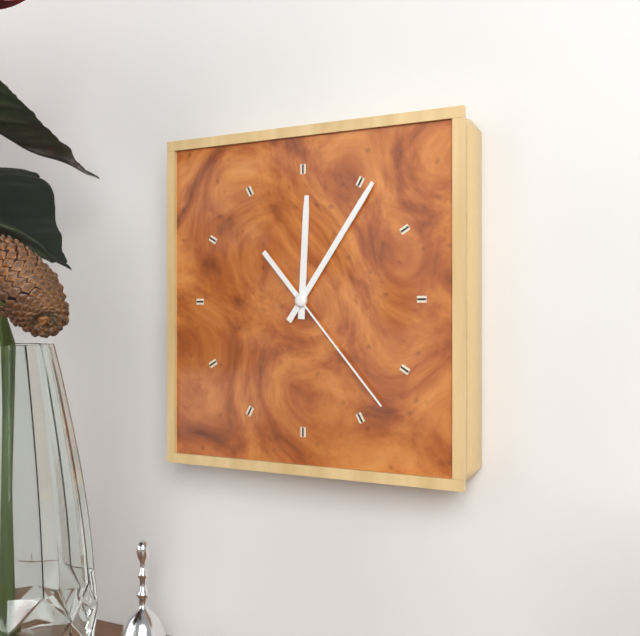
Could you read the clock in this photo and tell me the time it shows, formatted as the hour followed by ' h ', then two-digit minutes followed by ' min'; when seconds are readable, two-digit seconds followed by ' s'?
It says 12 h 06 min 23 s
